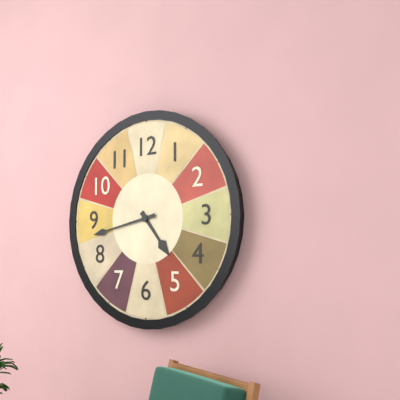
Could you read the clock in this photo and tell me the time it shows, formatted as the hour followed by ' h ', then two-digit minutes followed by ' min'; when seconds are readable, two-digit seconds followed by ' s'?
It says 4 h 43 min
